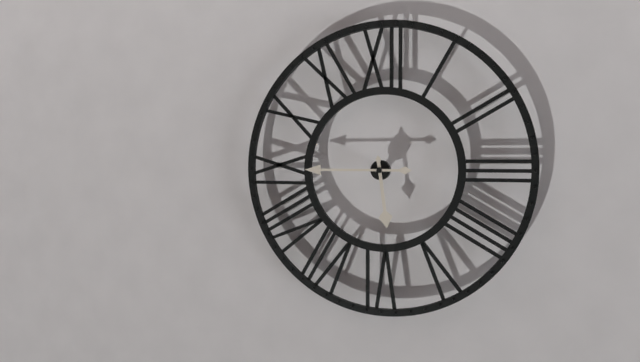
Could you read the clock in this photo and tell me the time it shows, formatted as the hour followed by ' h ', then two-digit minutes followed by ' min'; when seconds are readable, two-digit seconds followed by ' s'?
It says 5 h 45 min
